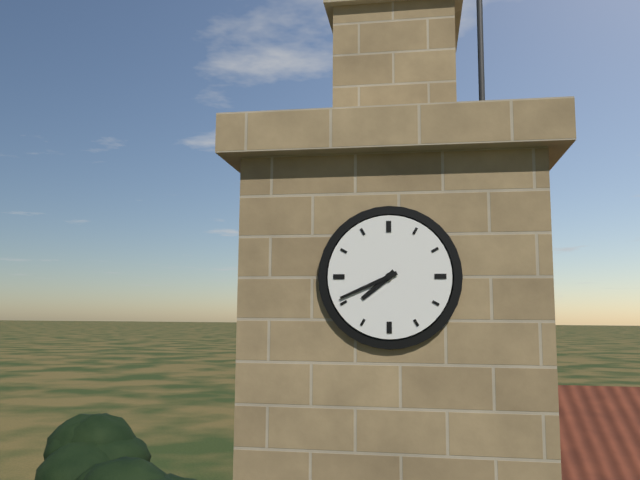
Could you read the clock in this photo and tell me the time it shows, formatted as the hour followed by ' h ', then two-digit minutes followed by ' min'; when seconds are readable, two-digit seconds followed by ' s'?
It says 7 h 41 min
